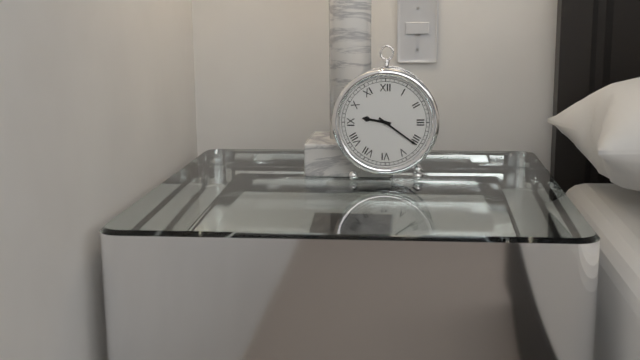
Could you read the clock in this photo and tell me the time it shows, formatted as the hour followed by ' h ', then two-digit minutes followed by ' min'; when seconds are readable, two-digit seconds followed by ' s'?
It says 9 h 21 min
